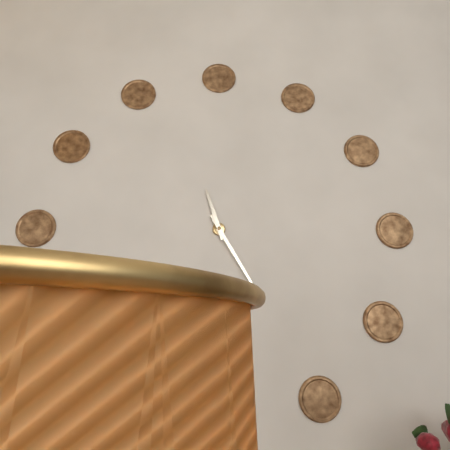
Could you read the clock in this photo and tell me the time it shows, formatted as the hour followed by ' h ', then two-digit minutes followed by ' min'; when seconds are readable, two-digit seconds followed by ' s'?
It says 11 h 25 min
